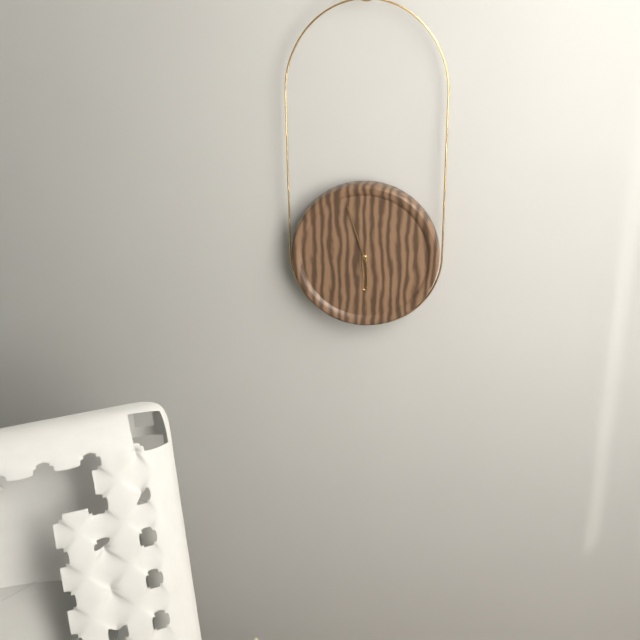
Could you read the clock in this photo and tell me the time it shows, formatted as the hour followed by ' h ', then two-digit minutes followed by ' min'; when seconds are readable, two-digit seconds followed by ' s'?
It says 5 h 57 min
